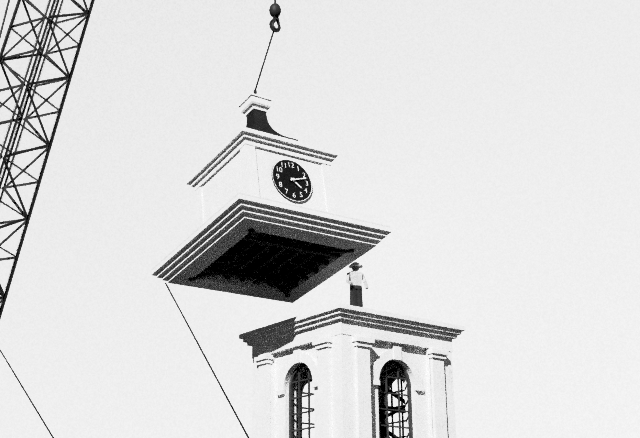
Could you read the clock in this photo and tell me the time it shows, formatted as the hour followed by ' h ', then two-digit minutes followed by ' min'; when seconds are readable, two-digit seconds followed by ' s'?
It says 4 h 12 min
